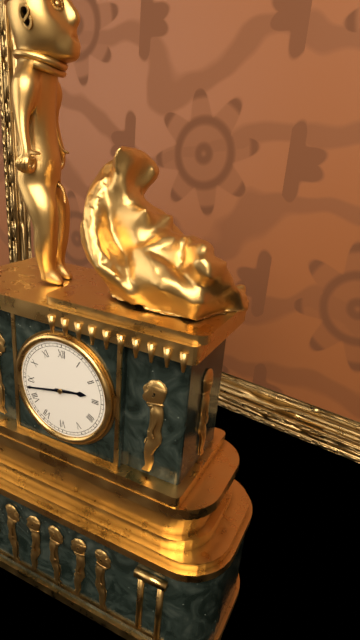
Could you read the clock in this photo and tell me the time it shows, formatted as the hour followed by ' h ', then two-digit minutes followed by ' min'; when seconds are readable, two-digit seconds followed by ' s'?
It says 2 h 43 min
